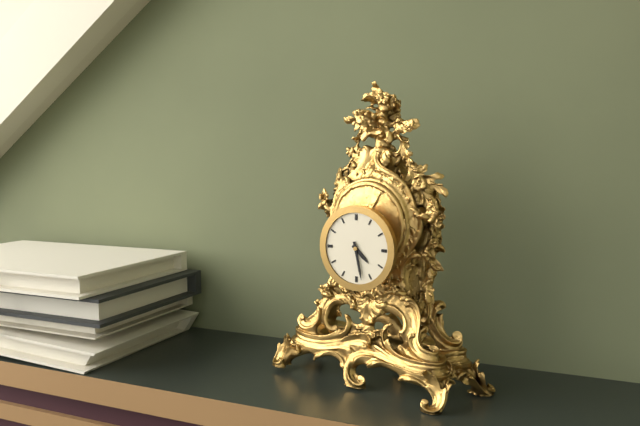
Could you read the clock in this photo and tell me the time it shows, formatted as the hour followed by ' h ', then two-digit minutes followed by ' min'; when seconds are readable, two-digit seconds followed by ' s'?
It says 4 h 28 min
